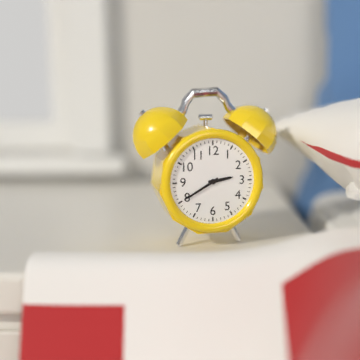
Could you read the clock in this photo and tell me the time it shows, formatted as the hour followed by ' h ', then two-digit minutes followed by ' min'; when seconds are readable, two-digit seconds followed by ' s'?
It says 2 h 40 min
